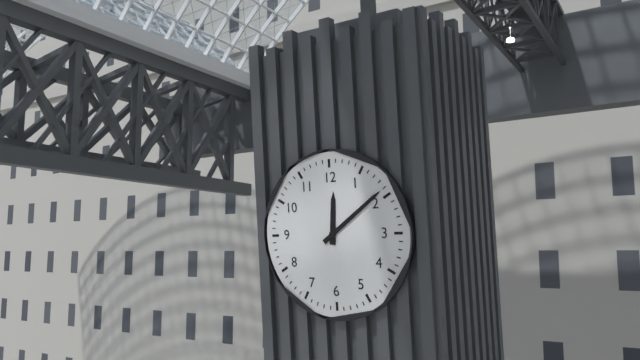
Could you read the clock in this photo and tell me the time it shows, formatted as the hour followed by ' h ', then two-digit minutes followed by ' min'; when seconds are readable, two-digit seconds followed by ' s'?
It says 12 h 09 min
